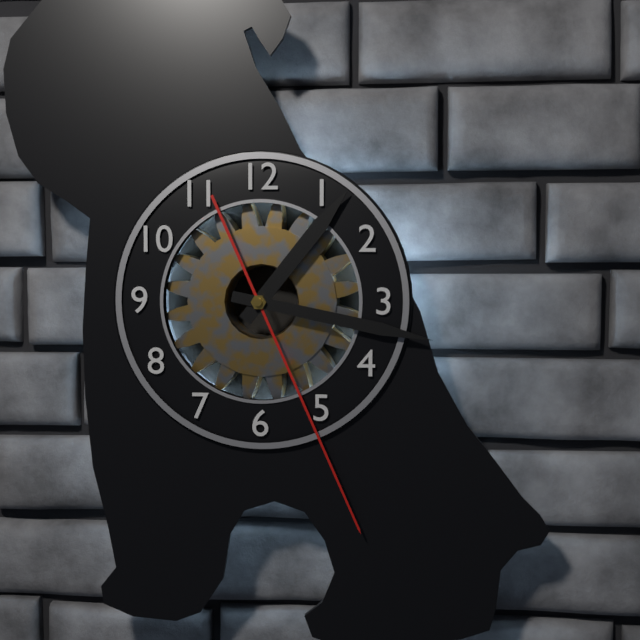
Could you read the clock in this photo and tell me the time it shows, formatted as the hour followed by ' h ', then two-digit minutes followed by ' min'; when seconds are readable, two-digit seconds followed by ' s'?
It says 1 h 17 min 26 s
